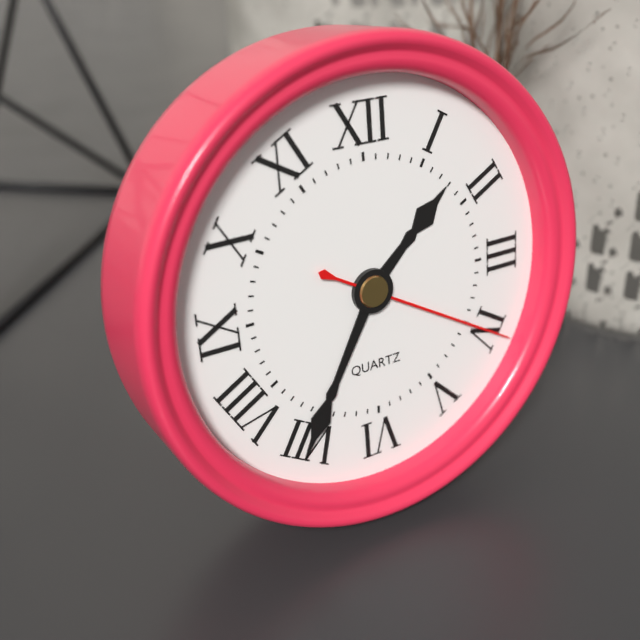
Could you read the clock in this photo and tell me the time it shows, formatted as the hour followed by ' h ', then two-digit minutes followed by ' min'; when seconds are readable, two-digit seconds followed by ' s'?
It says 1 h 35 min 20 s
